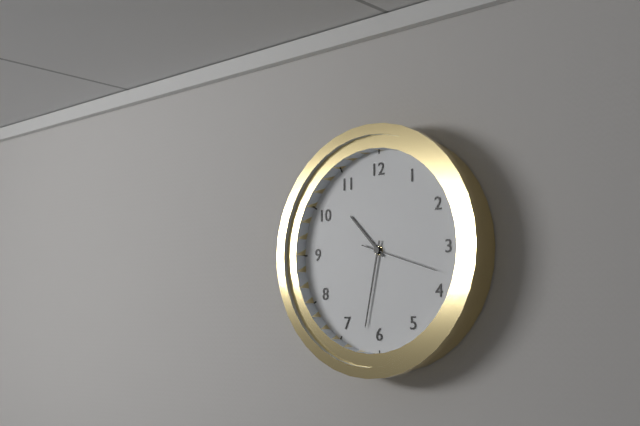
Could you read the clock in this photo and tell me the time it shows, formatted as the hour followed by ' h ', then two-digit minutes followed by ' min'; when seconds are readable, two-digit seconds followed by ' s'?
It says 10 h 32 min 18 s
